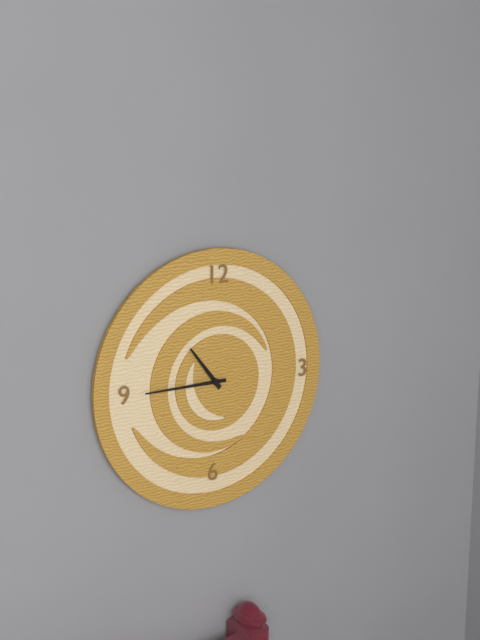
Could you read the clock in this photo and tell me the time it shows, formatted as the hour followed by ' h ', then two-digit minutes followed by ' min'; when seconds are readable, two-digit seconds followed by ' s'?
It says 10 h 45 min
